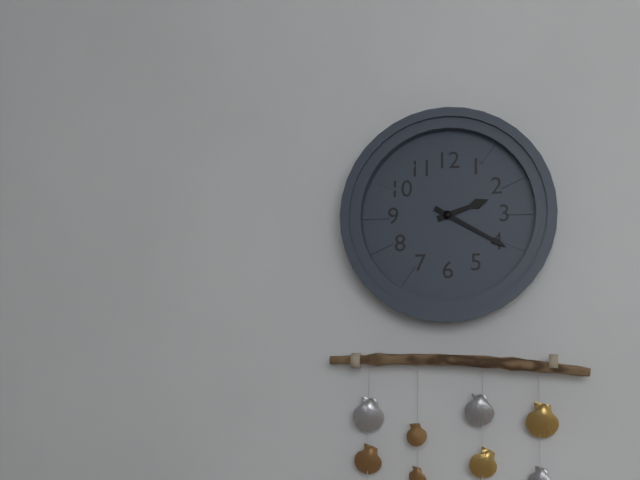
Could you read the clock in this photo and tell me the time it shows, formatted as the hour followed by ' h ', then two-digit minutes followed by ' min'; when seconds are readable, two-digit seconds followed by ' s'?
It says 2 h 20 min
